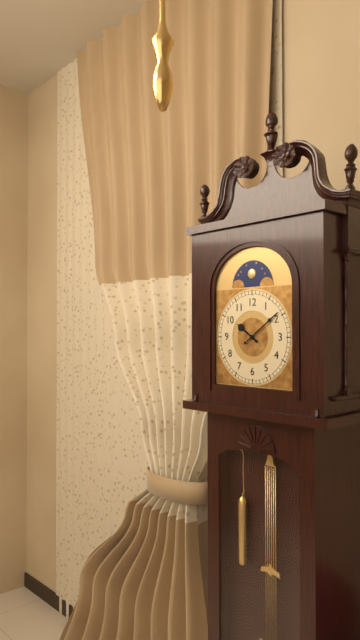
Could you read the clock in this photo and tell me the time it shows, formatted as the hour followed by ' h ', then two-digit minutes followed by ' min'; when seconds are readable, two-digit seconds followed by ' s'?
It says 10 h 09 min
